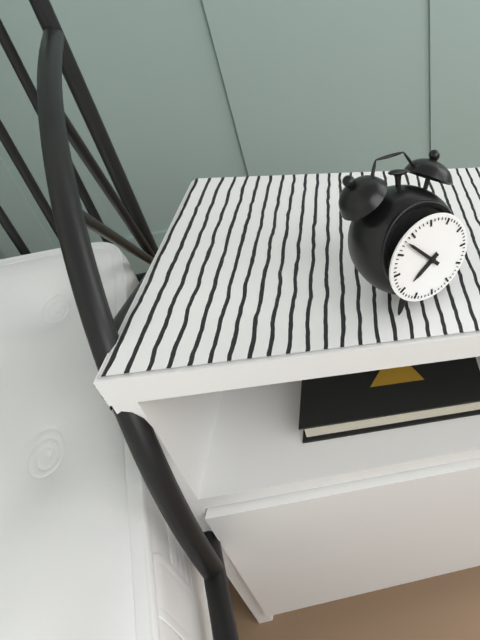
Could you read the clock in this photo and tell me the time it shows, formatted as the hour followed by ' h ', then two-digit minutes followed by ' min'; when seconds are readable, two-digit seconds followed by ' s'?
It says 7 h 53 min
